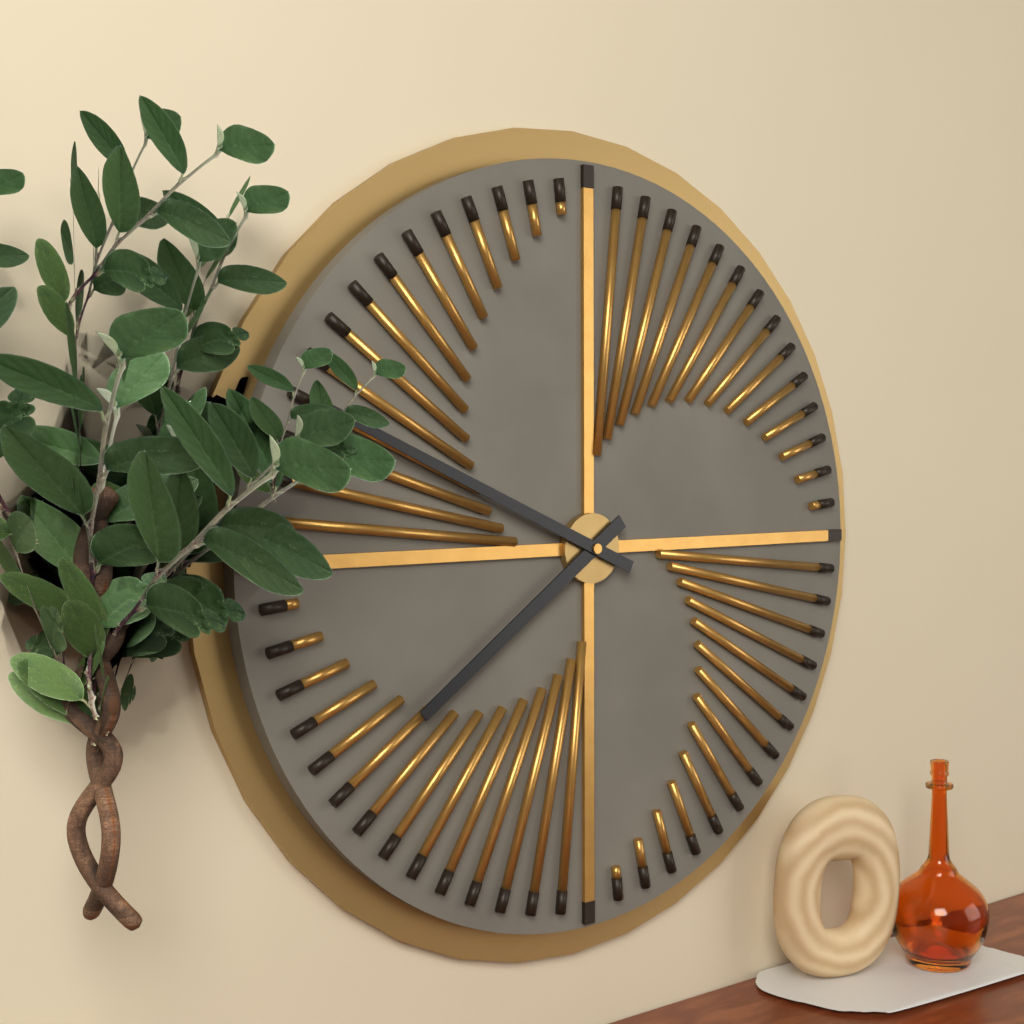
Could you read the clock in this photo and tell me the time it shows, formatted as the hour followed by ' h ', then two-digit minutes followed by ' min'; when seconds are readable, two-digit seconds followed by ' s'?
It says 7 h 49 min
